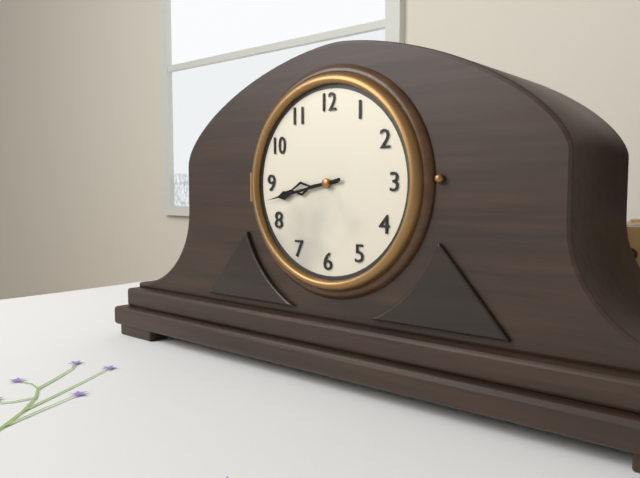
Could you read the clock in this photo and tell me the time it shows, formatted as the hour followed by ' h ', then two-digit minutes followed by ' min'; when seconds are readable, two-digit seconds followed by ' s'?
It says 8 h 43 min
